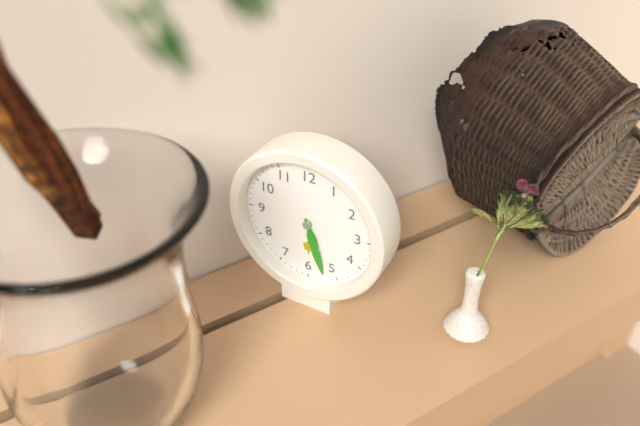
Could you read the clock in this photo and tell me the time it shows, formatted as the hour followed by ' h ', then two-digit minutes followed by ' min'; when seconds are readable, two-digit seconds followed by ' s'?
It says 5 h 27 min
